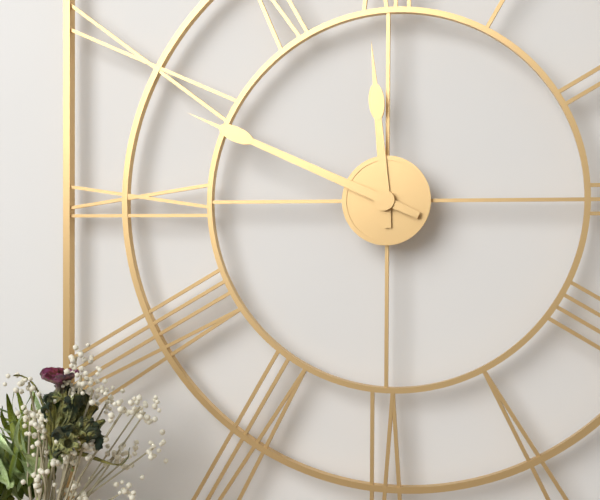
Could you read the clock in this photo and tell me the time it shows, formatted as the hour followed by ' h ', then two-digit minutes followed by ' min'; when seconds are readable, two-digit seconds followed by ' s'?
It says 11 h 49 min
